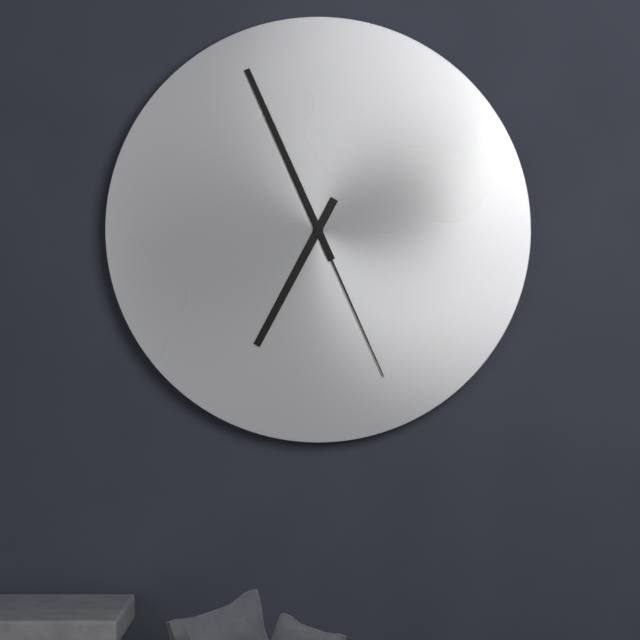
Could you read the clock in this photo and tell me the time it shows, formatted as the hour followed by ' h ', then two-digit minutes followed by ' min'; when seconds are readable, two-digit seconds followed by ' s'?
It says 6 h 56 min 26 s
